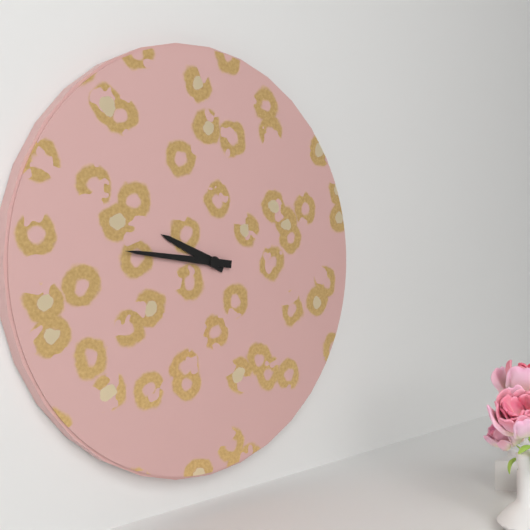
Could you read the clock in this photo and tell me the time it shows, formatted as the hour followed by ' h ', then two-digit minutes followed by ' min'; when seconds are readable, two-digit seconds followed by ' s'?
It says 9 h 46 min
